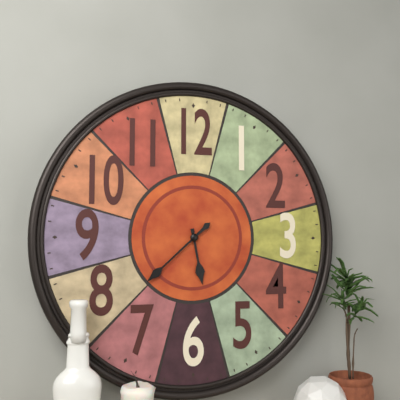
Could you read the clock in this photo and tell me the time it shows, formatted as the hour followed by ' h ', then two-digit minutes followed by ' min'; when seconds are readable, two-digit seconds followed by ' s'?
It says 5 h 38 min
